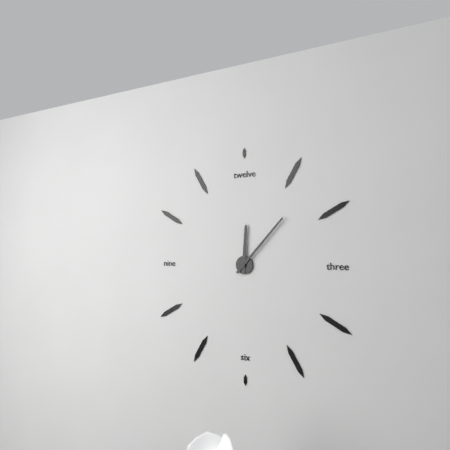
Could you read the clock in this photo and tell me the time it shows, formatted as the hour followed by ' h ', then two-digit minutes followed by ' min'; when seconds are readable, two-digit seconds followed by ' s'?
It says 12 h 07 min
